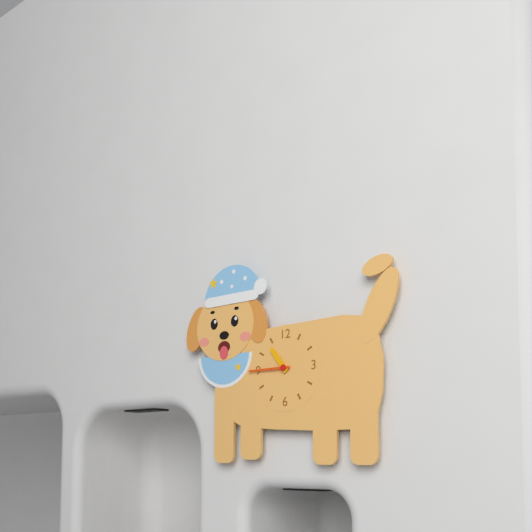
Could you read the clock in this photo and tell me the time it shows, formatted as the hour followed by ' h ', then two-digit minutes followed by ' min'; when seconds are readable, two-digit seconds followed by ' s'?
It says 10 h 45 min
